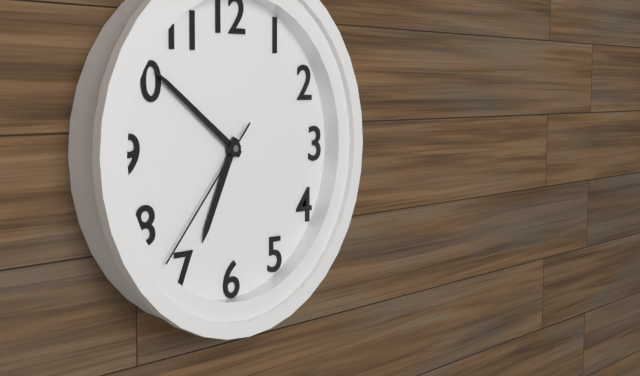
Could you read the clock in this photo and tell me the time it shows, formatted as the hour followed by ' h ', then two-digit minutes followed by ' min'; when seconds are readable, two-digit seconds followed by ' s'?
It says 6 h 51 min 37 s
